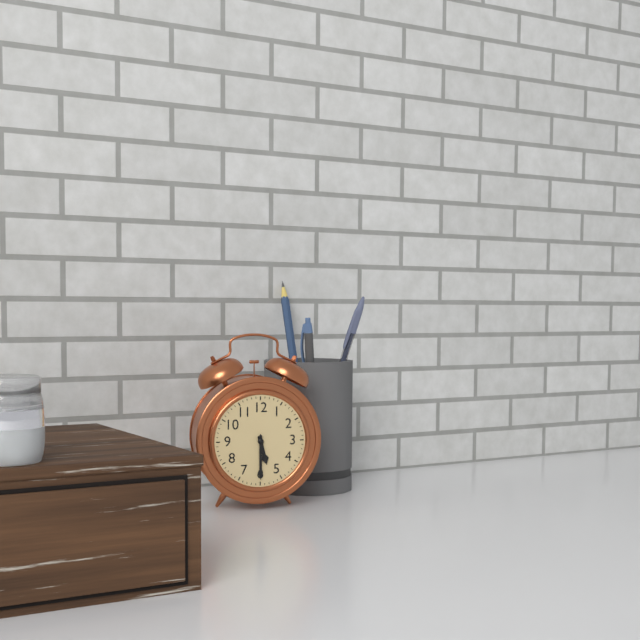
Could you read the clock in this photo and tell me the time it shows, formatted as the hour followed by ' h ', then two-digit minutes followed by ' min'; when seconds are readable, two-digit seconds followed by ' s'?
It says 5 h 30 min
